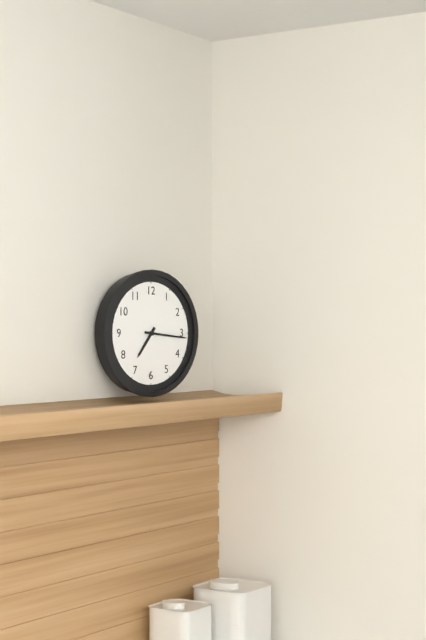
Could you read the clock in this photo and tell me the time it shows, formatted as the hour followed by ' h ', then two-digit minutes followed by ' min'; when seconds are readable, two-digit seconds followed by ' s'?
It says 7 h 16 min
